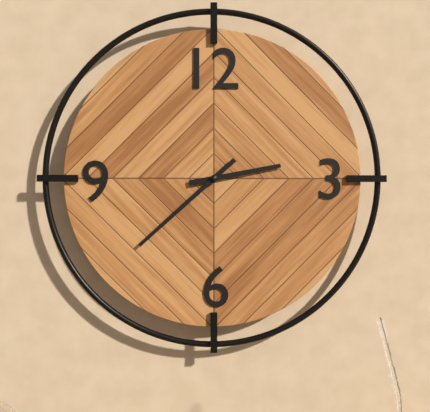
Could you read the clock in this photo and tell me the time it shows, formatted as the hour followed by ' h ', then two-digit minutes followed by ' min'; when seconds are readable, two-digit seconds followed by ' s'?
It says 2 h 38 min
